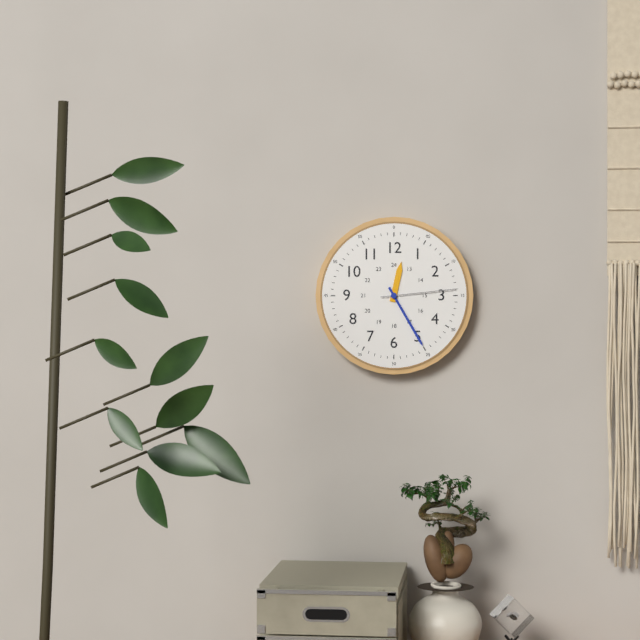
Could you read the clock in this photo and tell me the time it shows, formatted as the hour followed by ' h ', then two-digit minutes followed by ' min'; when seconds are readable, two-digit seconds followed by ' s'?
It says 12 h 25 min 14 s
